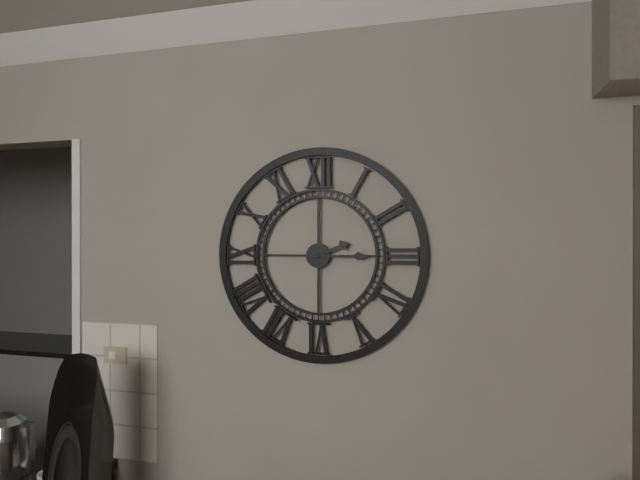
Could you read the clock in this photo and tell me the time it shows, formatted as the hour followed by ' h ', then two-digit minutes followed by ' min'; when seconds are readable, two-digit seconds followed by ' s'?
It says 2 h 15 min
